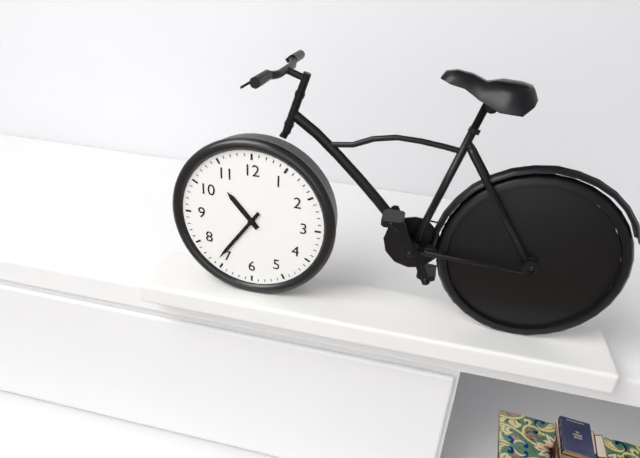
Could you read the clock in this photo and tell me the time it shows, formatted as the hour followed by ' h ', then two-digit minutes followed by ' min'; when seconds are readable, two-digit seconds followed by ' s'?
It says 10 h 36 min
